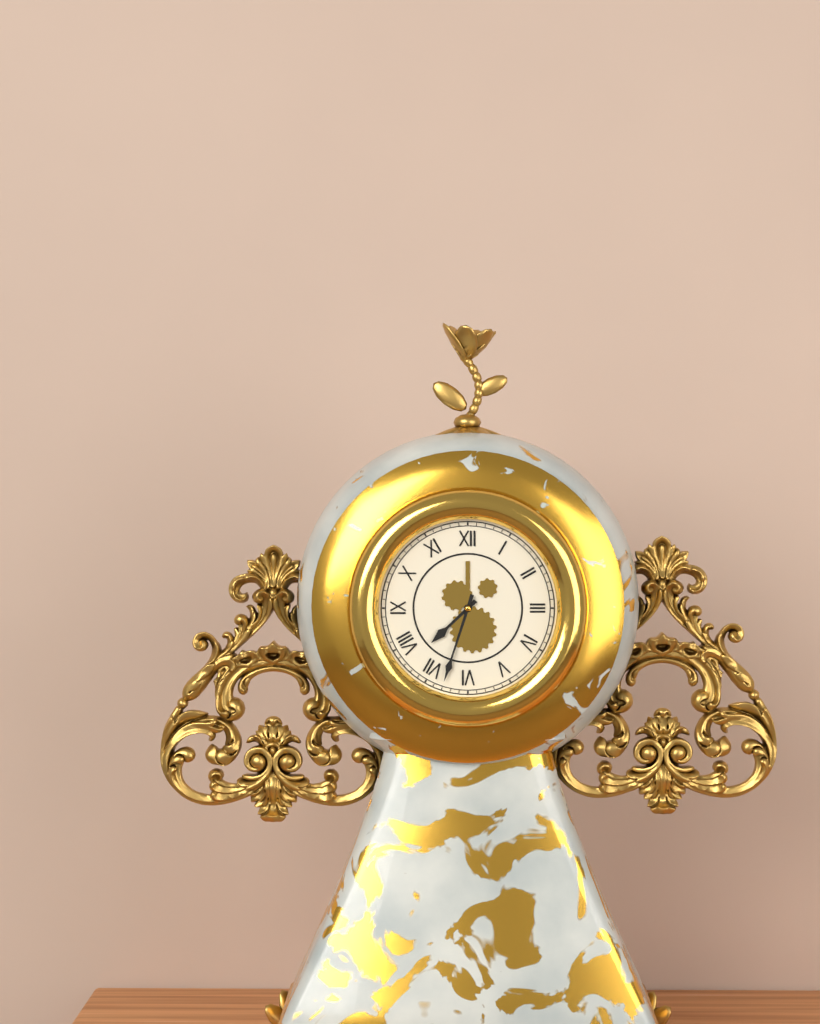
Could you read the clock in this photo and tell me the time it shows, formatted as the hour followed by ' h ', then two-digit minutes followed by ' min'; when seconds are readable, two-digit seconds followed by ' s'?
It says 7 h 33 min
